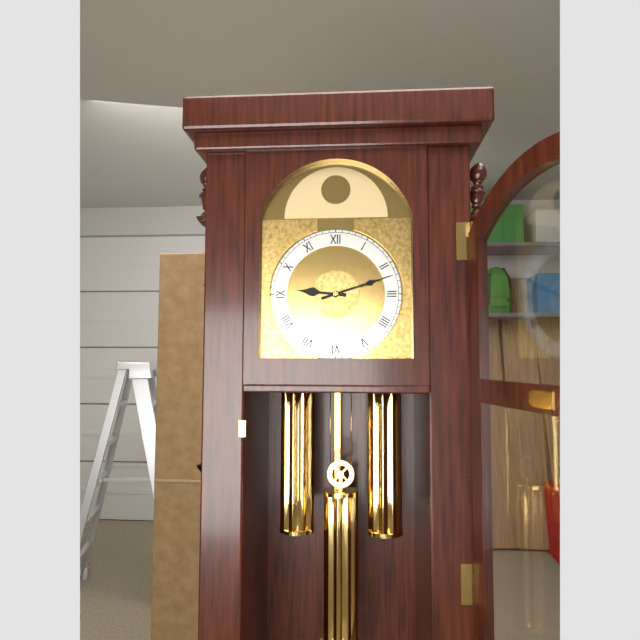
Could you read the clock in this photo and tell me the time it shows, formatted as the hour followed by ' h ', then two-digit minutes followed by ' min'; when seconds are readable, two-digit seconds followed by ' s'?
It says 9 h 12 min
